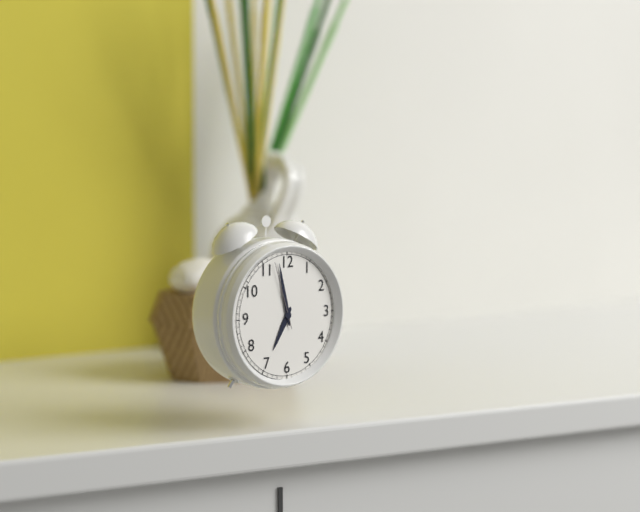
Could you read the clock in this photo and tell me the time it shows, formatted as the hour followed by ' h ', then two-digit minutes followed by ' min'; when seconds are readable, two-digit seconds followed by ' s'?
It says 6 h 58 min 57 s
